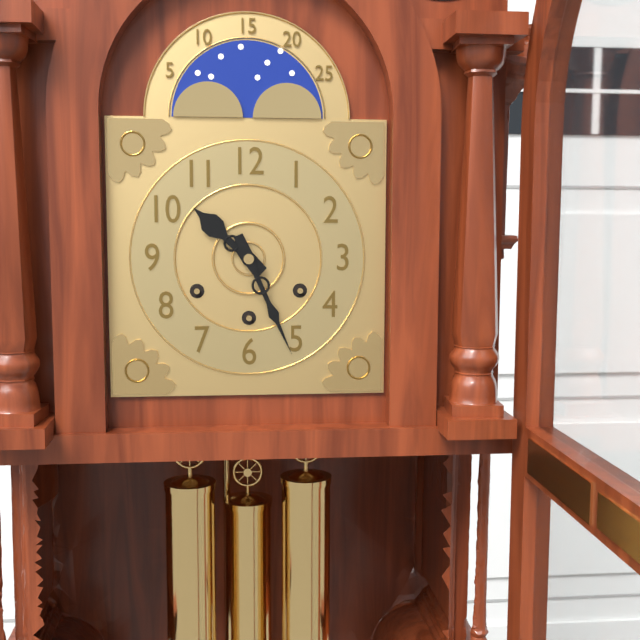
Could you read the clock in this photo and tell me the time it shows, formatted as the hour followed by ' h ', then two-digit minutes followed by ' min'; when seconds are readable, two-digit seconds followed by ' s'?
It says 10 h 26 min
